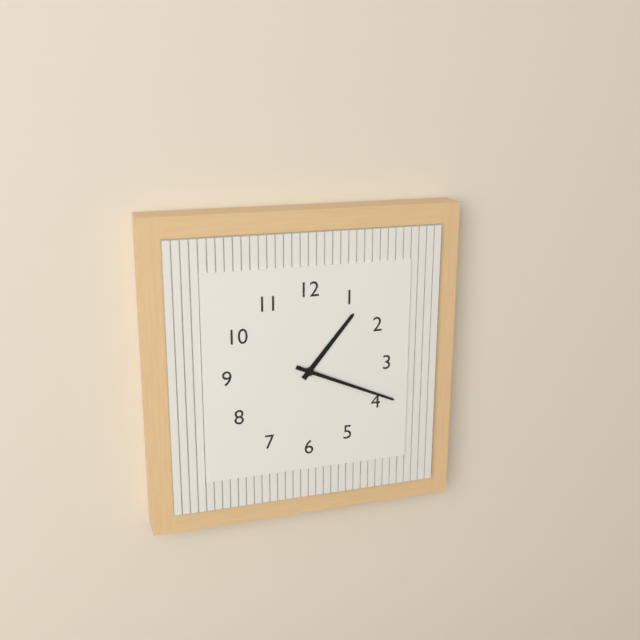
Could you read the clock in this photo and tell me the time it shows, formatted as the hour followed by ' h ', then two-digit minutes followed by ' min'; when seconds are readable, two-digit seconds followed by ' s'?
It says 1 h 19 min
